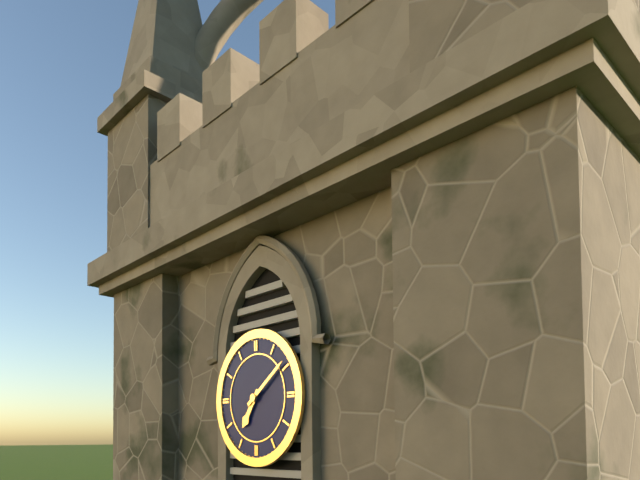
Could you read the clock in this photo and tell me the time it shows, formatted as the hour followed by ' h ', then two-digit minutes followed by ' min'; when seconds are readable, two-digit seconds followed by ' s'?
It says 7 h 09 min
